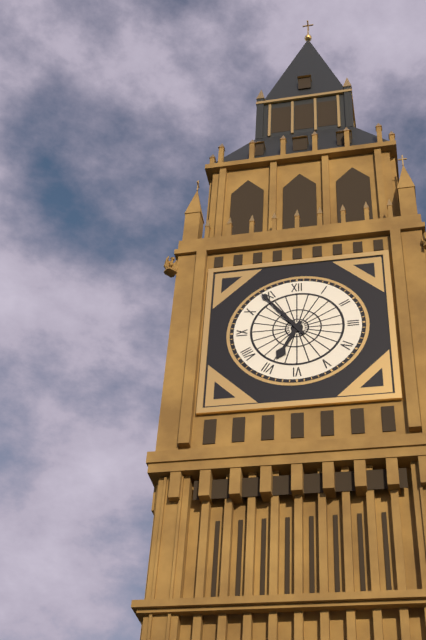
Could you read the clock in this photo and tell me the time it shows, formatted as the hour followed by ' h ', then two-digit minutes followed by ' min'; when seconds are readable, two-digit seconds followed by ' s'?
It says 6 h 54 min
